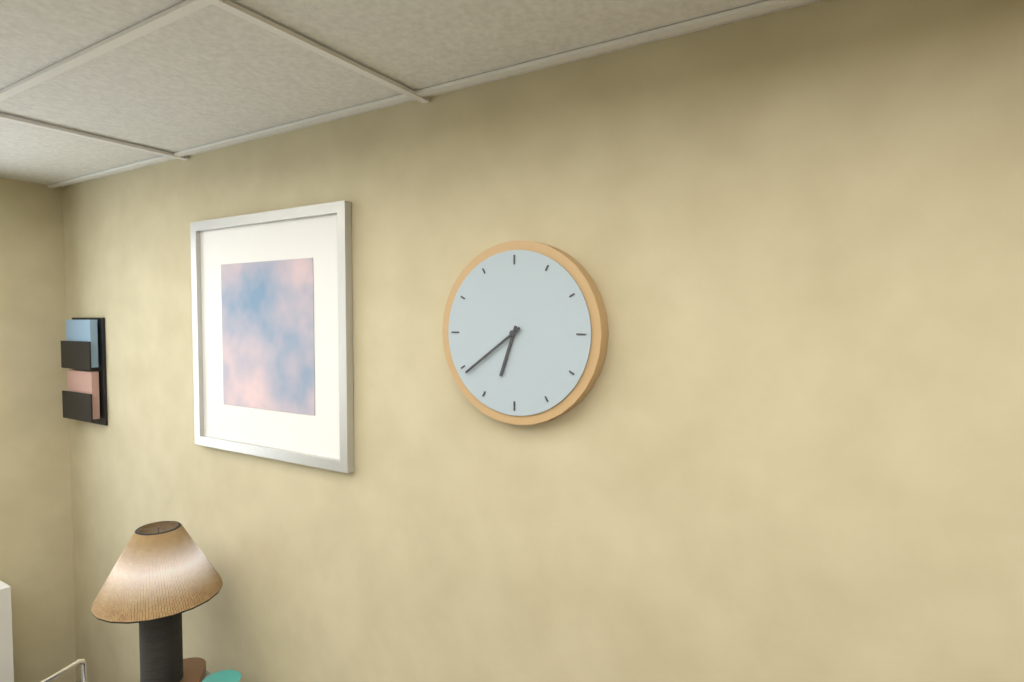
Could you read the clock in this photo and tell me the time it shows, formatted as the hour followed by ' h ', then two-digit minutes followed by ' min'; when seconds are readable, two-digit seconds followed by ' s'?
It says 6 h 39 min
